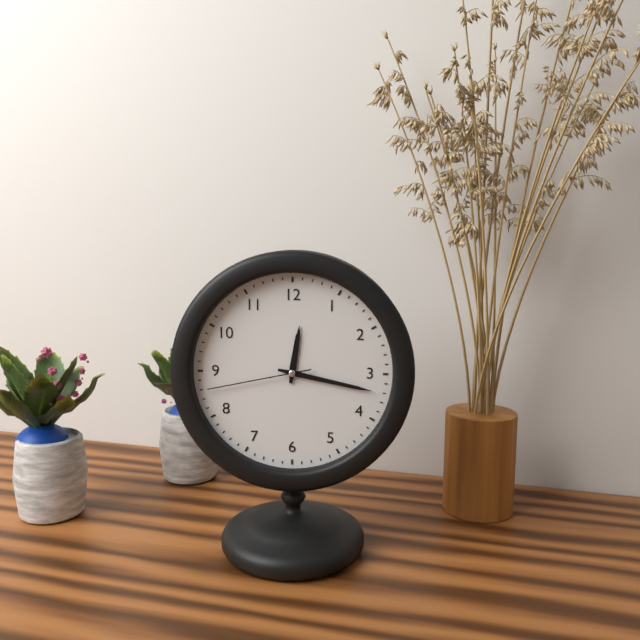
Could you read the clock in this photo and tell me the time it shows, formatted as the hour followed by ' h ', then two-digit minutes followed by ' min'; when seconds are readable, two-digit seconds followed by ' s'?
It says 12 h 17 min 43 s
